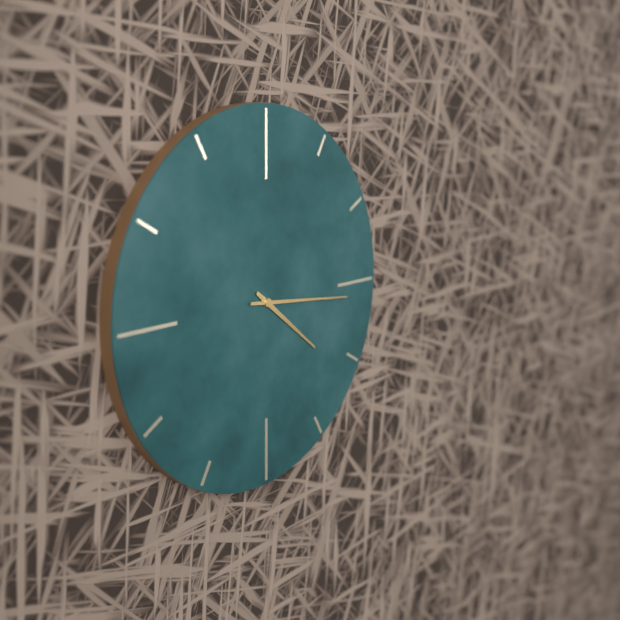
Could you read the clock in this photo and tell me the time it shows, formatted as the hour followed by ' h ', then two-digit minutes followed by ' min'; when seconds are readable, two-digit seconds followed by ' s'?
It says 4 h 16 min
